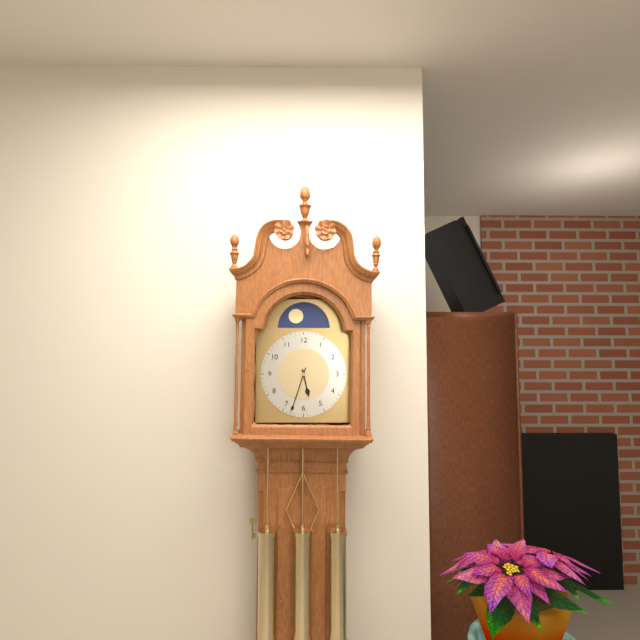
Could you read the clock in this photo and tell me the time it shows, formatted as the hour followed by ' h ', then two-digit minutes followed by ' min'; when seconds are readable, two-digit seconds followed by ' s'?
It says 5 h 33 min
